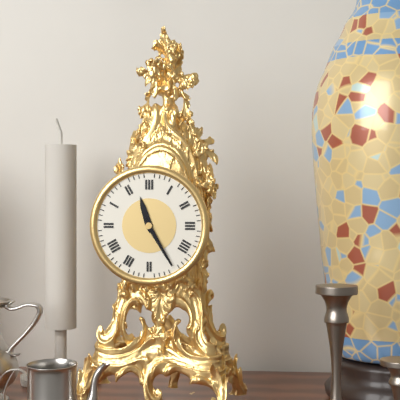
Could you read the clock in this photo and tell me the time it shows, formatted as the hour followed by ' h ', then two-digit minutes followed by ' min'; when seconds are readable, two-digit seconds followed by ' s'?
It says 11 h 25 min
